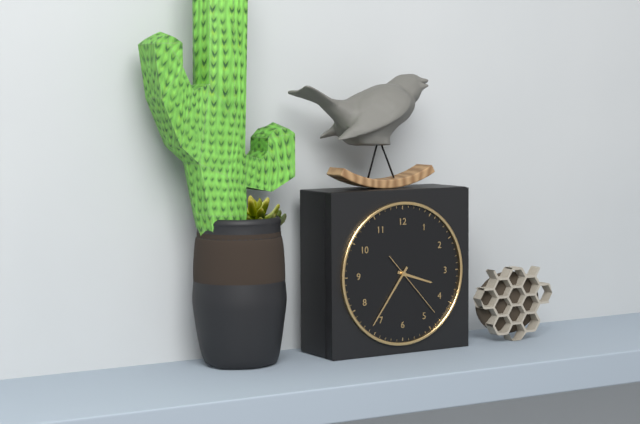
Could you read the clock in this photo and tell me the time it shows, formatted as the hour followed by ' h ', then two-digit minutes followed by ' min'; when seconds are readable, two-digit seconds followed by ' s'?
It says 3 h 36 min 23 s
